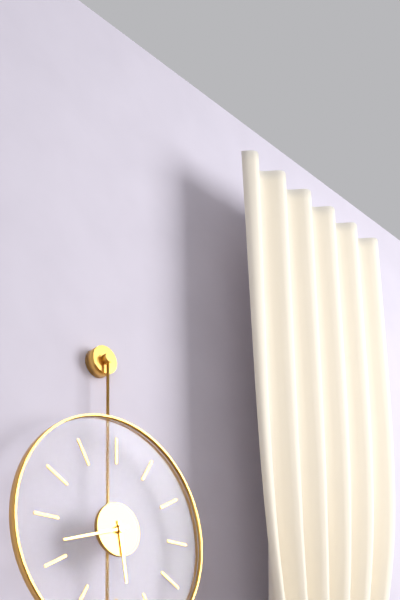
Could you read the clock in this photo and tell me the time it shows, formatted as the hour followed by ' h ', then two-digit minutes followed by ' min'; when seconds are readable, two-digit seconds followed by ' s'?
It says 5 h 42 min
